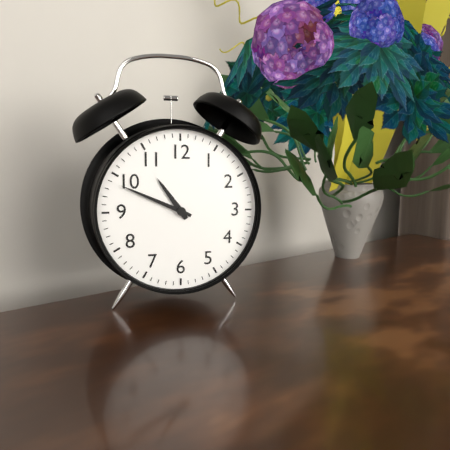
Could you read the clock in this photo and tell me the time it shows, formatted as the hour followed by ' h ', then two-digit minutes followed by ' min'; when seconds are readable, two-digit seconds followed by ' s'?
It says 10 h 49 min
